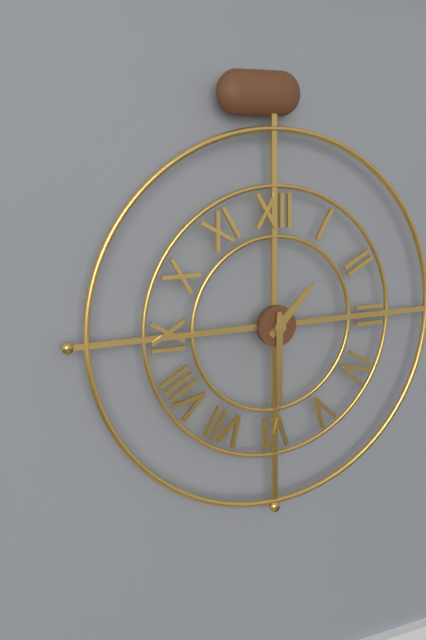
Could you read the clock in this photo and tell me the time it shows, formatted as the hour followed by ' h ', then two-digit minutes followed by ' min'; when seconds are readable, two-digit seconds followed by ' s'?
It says 1 h 30 min
